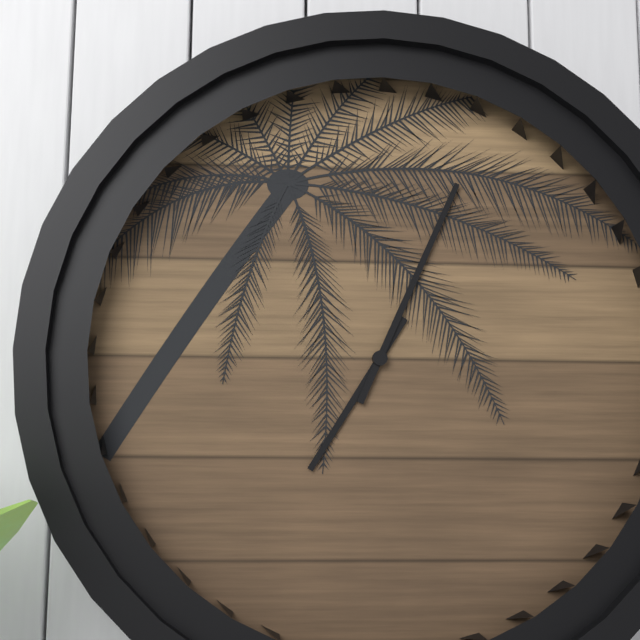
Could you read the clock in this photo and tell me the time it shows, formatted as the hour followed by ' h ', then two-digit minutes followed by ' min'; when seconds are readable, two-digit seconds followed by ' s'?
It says 7 h 04 min
